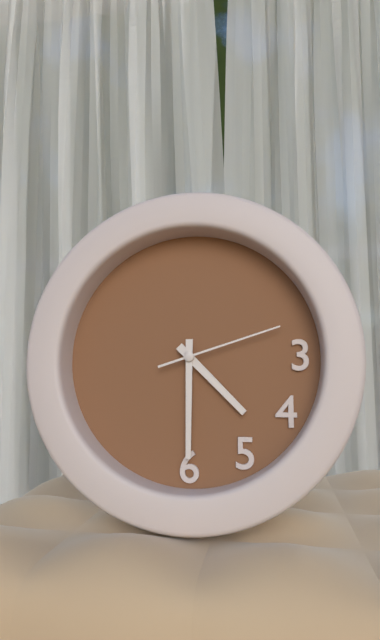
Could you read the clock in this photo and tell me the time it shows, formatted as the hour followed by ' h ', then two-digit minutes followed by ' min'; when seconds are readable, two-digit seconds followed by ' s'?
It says 4 h 30 min 12 s
